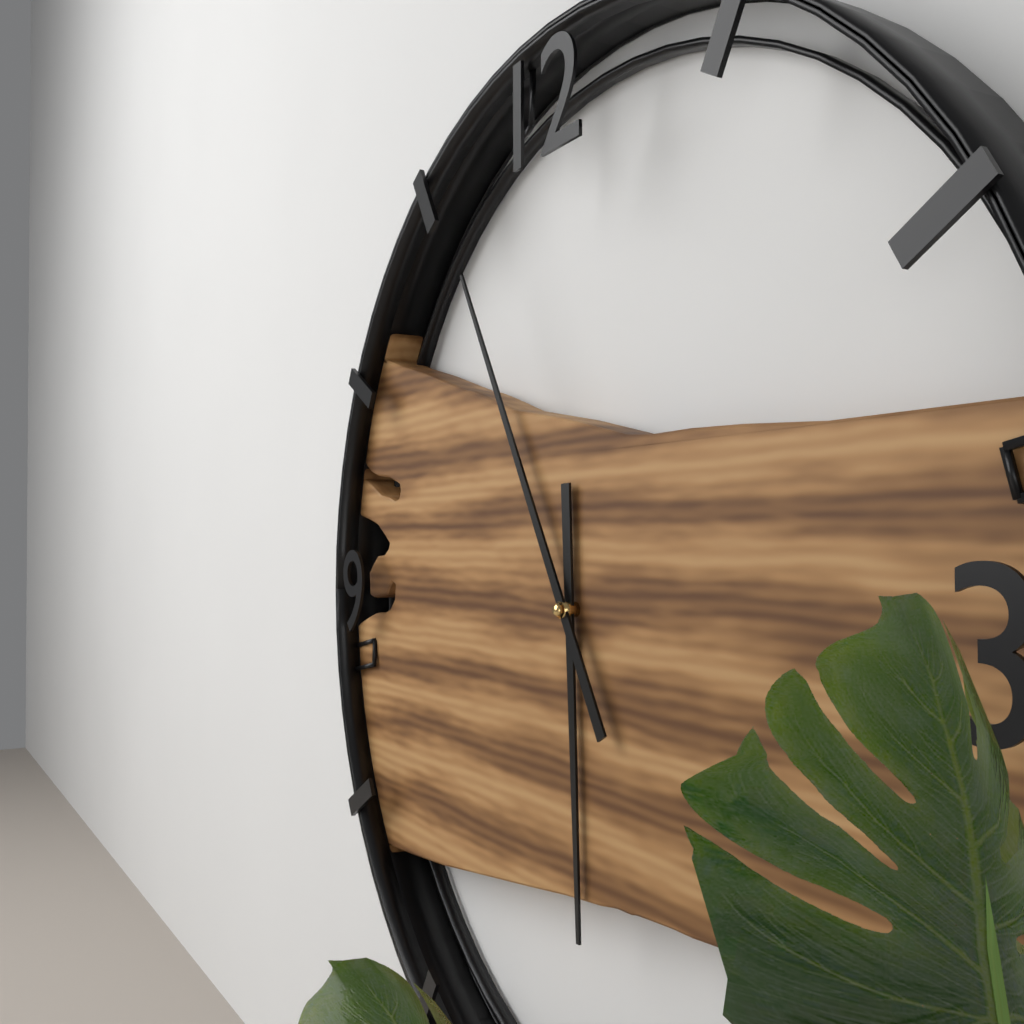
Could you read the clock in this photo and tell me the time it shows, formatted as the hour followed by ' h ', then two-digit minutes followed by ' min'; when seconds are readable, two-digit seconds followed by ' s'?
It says 5 h 55 min
